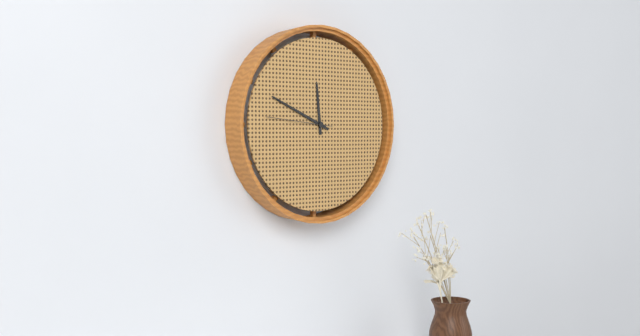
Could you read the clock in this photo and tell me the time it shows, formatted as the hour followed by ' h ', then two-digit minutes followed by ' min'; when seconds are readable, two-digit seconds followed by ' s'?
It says 11 h 49 min 46 s
